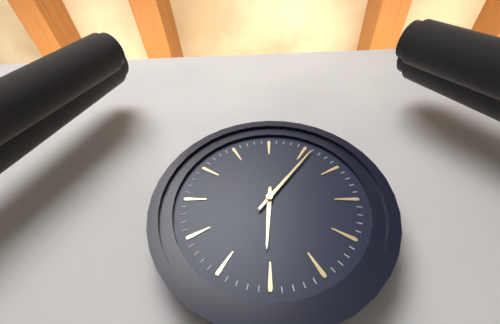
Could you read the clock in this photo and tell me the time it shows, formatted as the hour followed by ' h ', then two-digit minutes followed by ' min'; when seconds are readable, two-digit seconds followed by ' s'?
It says 6 h 06 min
